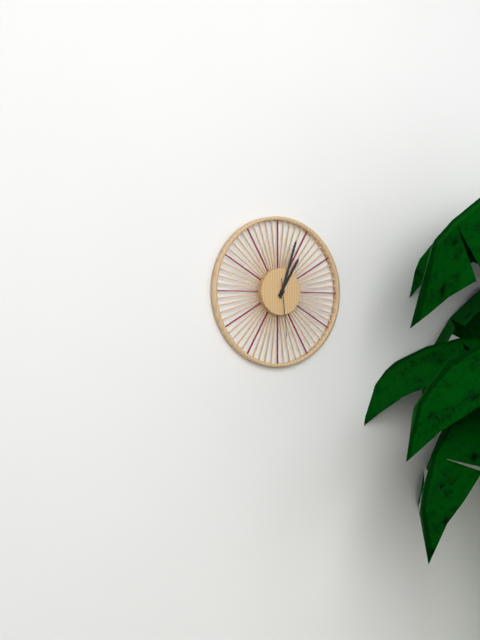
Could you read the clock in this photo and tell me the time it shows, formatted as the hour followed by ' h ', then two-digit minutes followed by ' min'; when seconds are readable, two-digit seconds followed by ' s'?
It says 1 h 03 min 29 s
